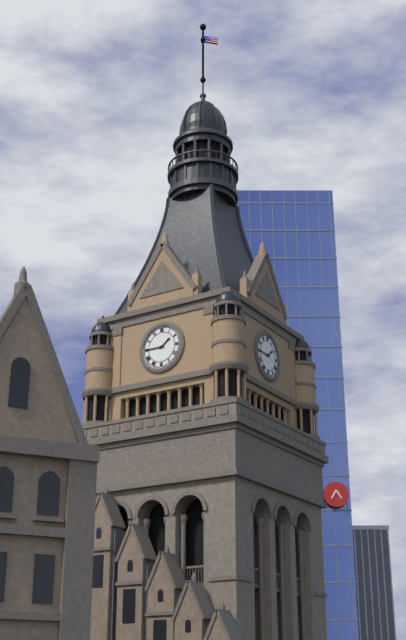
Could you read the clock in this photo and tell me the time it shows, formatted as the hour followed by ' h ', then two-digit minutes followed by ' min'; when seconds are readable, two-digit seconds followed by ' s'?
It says 1 h 45 min
